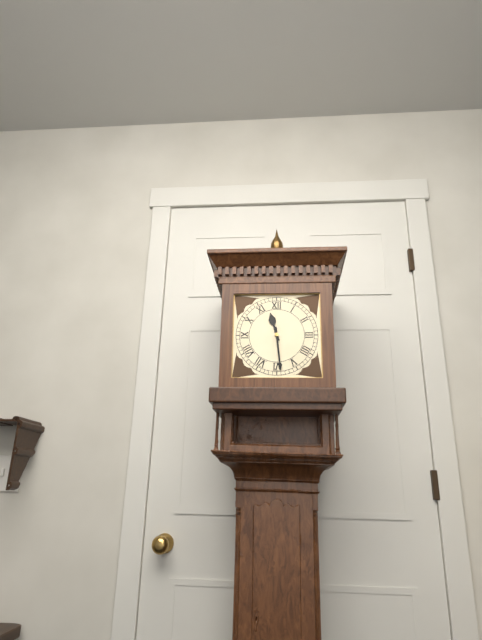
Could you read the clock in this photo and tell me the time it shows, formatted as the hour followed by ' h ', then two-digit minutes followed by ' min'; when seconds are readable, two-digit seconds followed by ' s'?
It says 11 h 29 min
